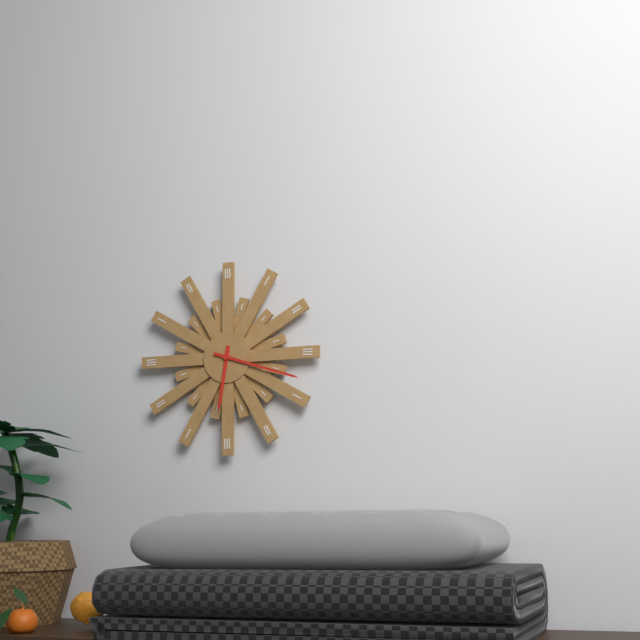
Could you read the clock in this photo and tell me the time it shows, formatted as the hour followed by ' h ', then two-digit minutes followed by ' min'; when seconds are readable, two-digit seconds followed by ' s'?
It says 6 h 18 min
